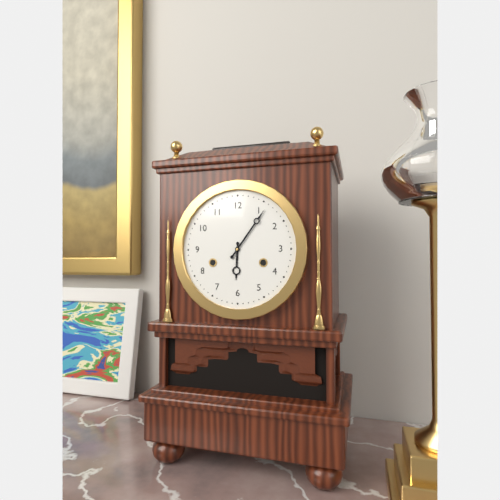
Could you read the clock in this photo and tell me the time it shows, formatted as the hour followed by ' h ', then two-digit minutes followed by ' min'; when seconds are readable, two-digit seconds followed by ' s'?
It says 6 h 06 min
